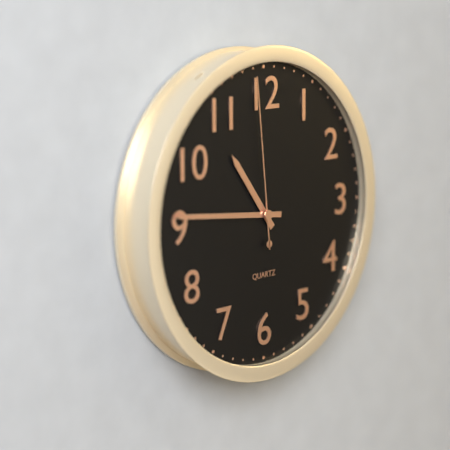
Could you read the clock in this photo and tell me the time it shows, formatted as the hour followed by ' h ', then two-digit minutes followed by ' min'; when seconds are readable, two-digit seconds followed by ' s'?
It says 10 h 46 min 59 s
